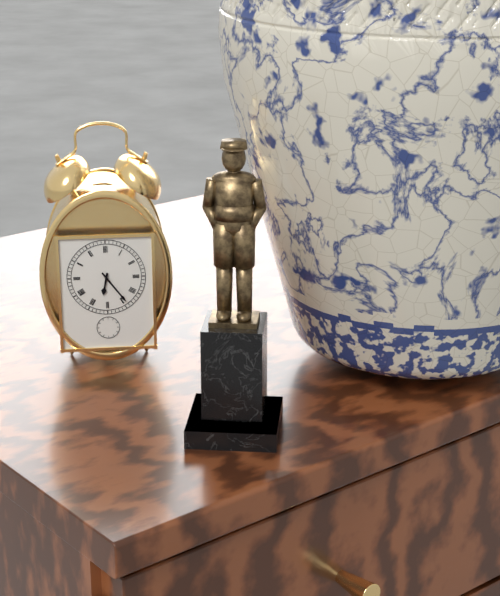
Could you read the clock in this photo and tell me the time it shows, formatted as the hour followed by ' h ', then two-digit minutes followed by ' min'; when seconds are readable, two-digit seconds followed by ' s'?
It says 6 h 24 min
